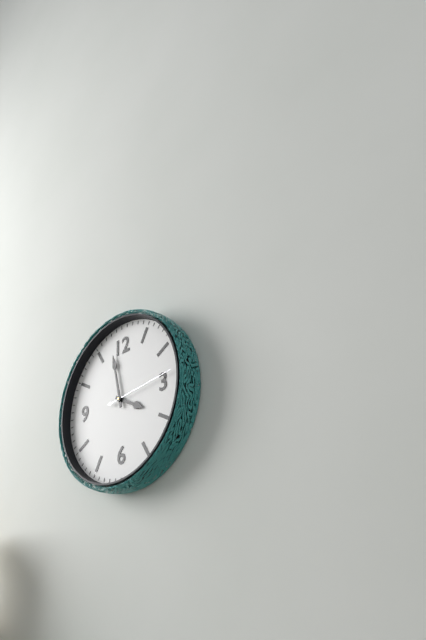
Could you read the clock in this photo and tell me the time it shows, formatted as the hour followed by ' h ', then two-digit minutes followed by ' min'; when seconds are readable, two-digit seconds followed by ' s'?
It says 3 h 58 min 14 s
